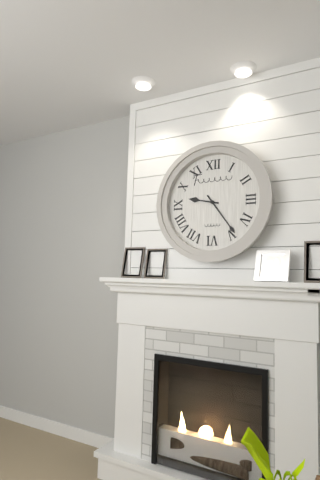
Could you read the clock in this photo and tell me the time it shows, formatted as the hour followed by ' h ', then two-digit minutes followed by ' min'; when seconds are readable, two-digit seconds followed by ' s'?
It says 9 h 24 min
